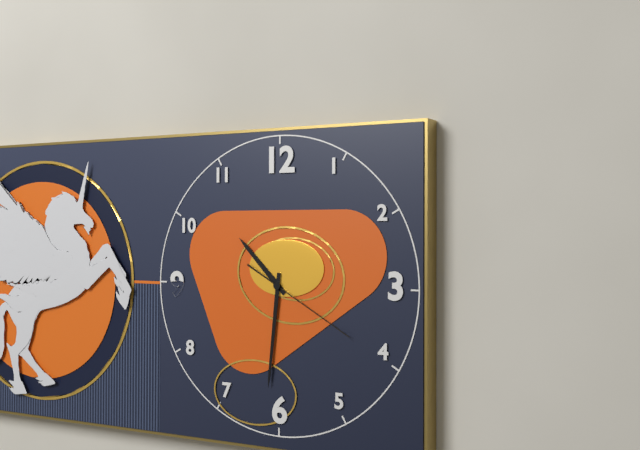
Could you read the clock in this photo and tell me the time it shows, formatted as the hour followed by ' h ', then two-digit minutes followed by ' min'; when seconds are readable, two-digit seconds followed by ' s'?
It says 10 h 31 min 20 s
